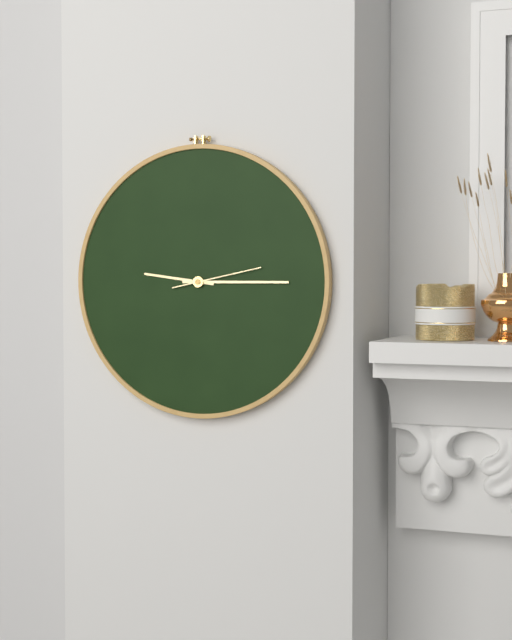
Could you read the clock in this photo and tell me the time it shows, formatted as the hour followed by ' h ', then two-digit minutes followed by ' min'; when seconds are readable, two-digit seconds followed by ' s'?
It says 9 h 15 min 13 s
